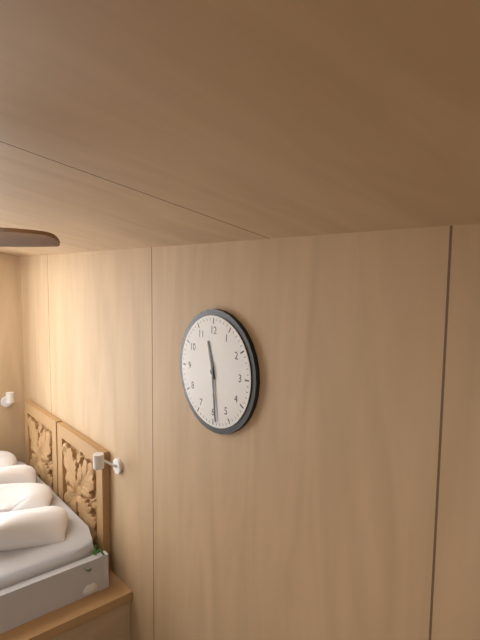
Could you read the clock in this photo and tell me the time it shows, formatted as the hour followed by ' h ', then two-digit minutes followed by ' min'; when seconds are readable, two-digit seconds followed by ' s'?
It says 11 h 29 min
